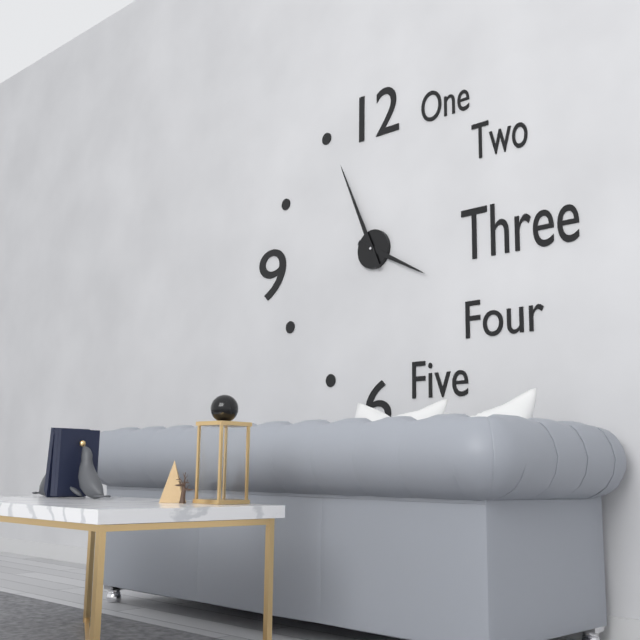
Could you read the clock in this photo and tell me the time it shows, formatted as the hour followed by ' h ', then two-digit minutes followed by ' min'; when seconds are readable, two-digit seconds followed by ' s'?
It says 3 h 56 min
